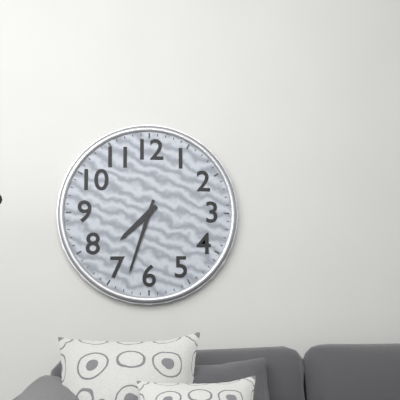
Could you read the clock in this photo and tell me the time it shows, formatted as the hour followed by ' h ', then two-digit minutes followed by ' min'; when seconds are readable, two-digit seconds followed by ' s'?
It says 7 h 33 min
